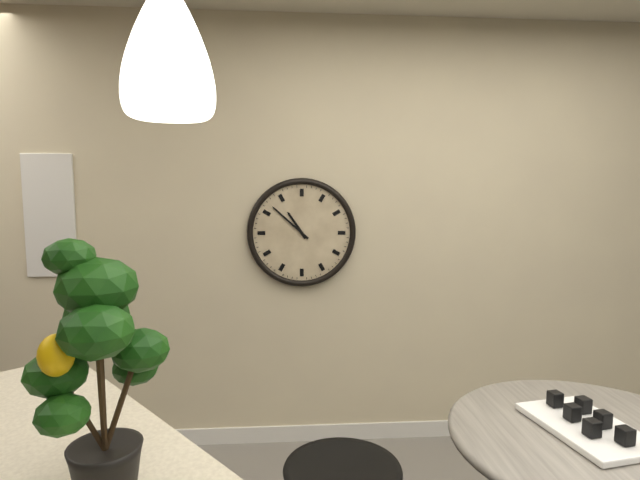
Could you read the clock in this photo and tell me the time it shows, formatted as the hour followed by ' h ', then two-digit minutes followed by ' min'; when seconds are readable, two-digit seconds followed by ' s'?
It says 10 h 52 min
